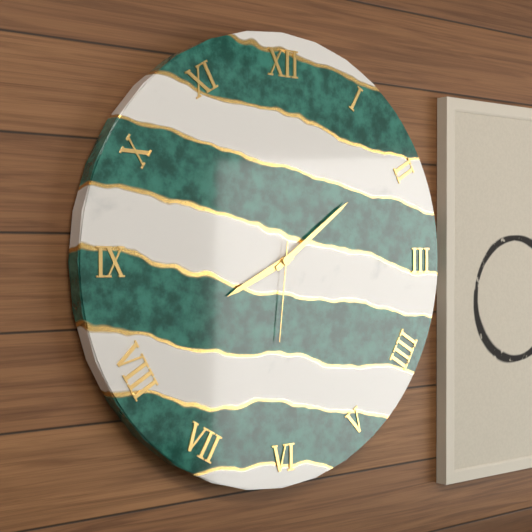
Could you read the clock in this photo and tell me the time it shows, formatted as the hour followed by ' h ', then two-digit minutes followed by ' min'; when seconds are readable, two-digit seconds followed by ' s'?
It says 8 h 09 min 31 s
